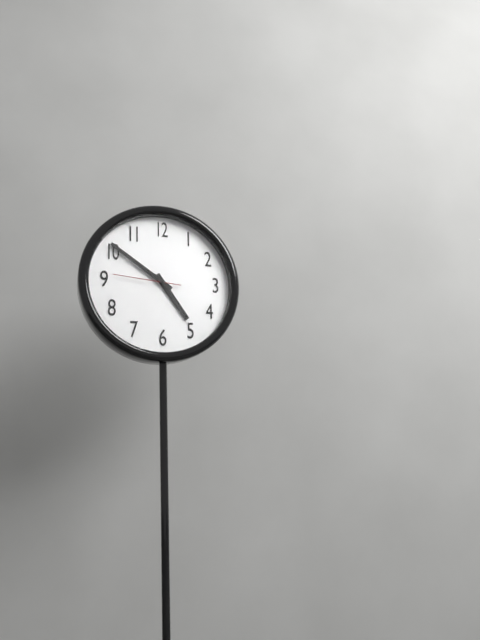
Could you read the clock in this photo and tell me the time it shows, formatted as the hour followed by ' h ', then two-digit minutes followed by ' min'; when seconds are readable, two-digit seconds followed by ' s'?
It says 4 h 51 min 46 s
